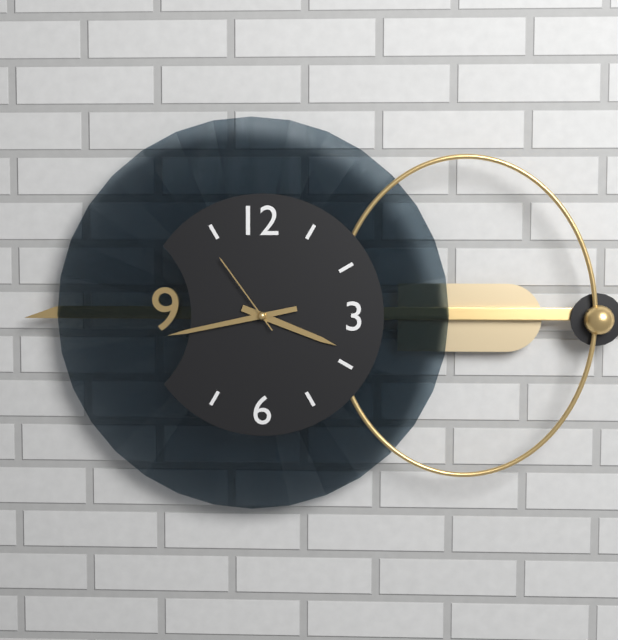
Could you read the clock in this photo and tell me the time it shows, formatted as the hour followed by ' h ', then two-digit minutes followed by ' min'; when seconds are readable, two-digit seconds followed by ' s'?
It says 3 h 43 min 54 s
